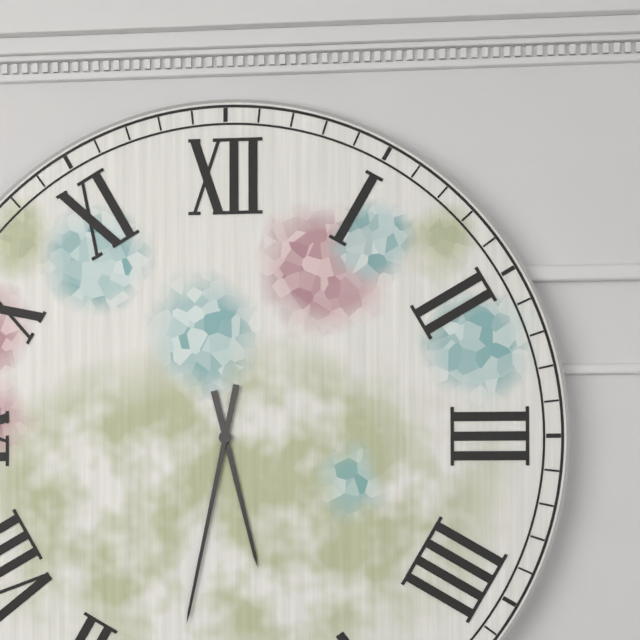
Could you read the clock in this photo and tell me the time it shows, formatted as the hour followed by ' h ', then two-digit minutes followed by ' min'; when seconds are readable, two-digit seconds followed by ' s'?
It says 5 h 32 min
